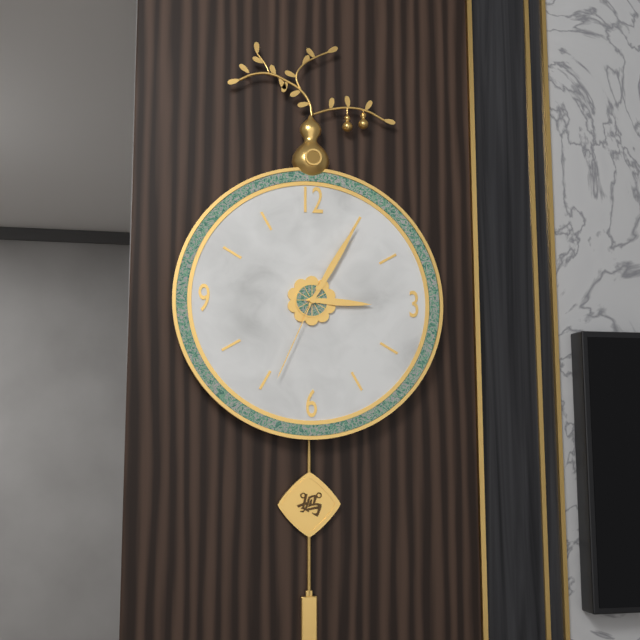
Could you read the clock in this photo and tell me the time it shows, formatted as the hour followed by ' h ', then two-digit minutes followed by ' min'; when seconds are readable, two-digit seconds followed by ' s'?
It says 3 h 05 min 34 s
